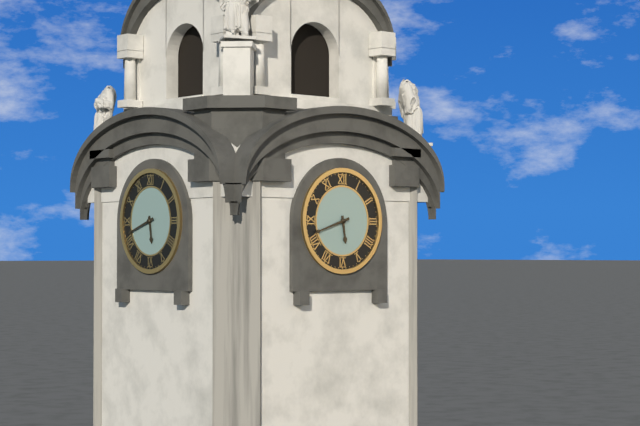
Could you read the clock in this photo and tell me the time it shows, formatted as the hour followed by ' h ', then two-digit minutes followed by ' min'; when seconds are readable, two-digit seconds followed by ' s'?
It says 5 h 42 min
